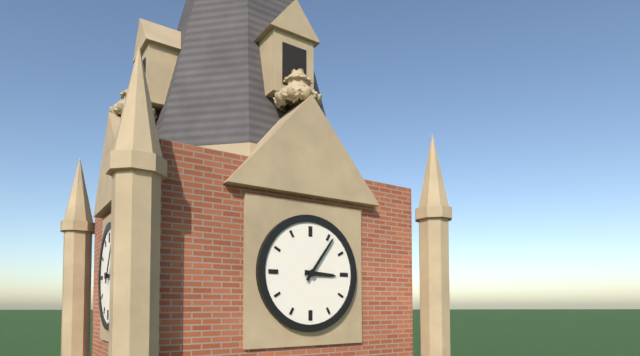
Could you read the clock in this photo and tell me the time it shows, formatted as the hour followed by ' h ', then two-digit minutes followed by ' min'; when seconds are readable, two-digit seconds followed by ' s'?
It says 3 h 06 min
